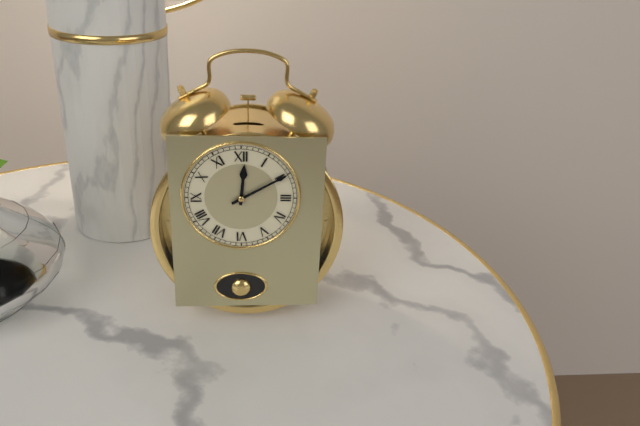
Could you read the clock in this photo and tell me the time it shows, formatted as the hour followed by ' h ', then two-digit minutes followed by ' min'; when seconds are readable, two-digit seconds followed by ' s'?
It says 12 h 10 min
